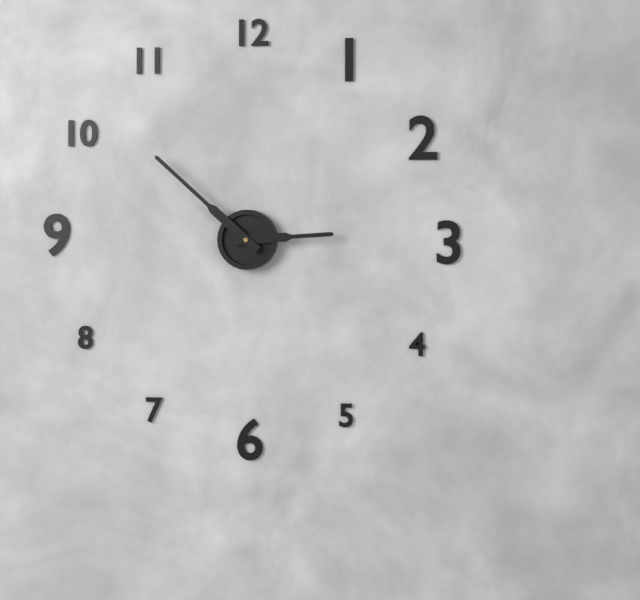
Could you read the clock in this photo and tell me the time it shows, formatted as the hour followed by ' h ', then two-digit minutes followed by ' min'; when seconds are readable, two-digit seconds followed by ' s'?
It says 2 h 52 min
